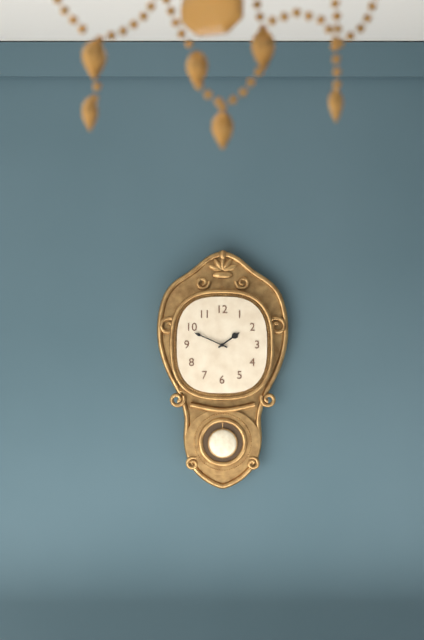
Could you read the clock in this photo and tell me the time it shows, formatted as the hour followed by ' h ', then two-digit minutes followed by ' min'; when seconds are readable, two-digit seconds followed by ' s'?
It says 1 h 49 min
